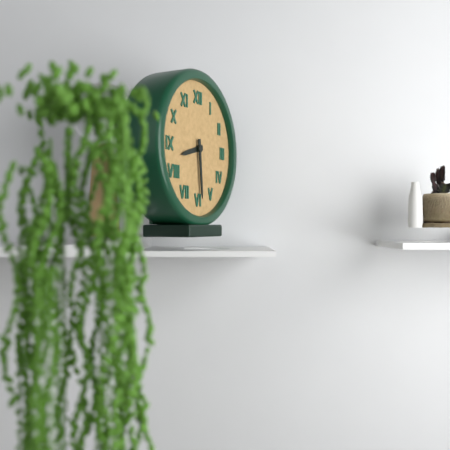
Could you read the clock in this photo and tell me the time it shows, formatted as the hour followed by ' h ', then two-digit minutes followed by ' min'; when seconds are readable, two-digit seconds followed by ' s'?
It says 8 h 29 min
